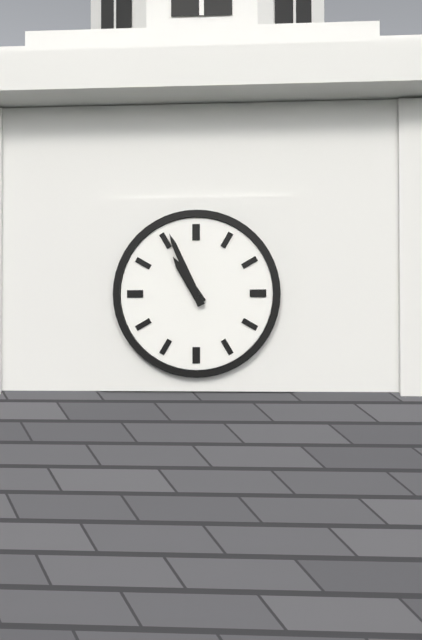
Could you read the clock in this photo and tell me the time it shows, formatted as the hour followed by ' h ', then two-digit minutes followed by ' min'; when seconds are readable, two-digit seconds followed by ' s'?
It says 10 h 56 min
